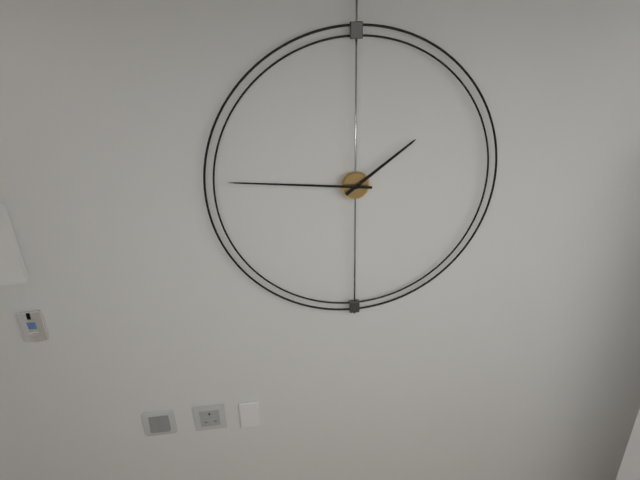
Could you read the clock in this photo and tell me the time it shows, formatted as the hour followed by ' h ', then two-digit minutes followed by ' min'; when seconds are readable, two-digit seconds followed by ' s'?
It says 1 h 46 min
